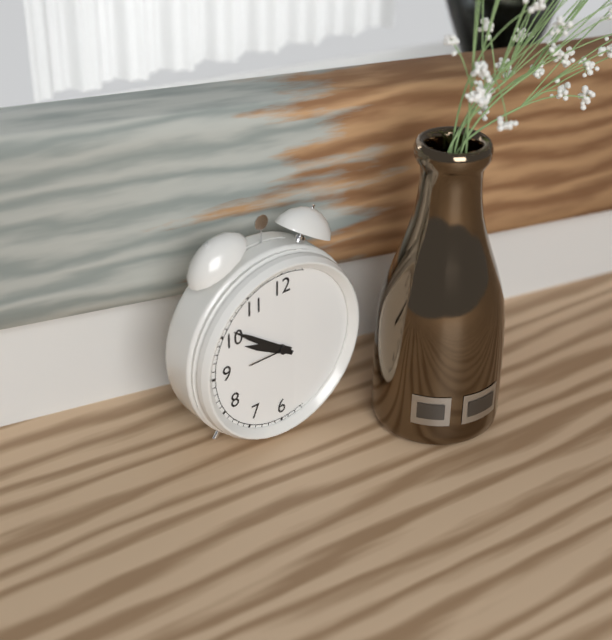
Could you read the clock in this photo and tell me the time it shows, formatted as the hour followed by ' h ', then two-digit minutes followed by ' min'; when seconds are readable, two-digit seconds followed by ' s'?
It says 9 h 51 min
